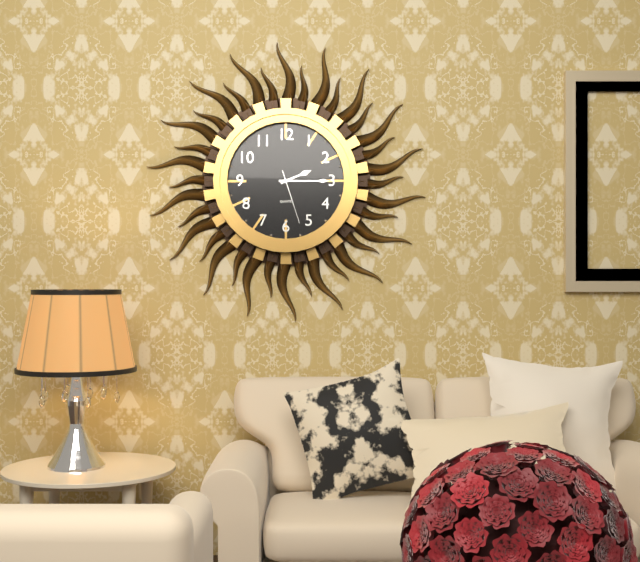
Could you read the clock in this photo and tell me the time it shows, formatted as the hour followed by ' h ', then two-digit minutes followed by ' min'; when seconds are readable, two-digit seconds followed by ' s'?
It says 2 h 15 min 27 s
